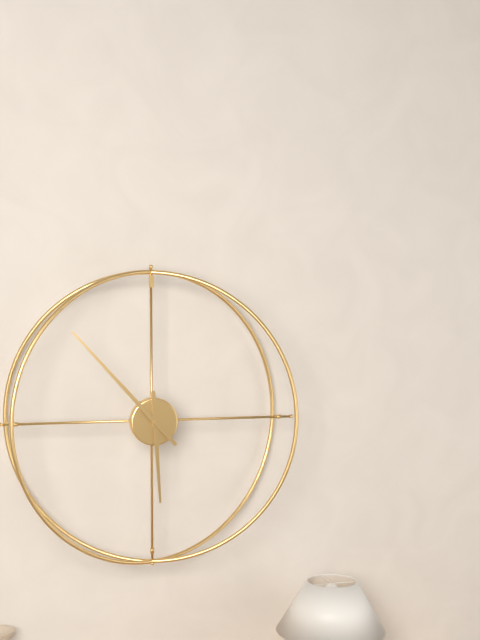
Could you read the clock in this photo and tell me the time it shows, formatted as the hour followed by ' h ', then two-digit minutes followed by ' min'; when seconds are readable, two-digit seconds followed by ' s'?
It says 5 h 53 min
